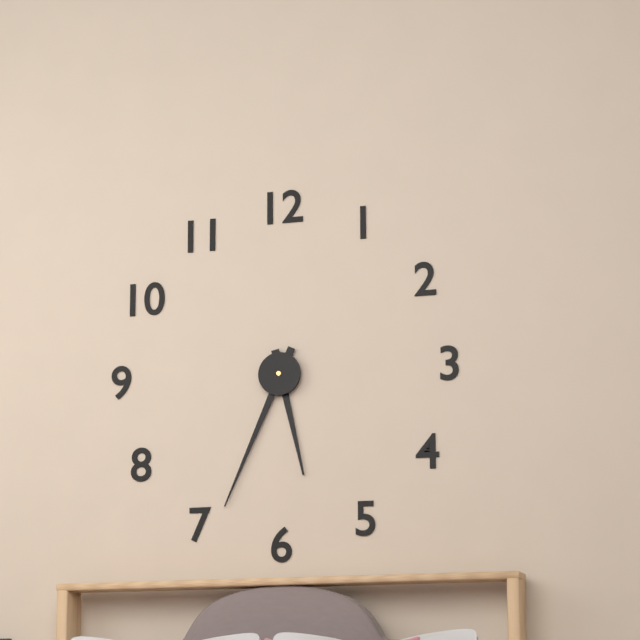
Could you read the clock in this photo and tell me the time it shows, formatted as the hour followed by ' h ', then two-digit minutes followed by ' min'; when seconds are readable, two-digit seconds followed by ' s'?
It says 5 h 34 min
